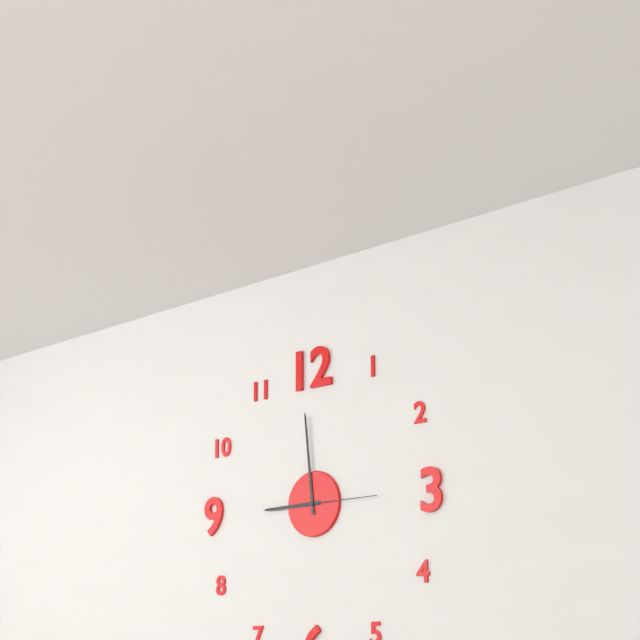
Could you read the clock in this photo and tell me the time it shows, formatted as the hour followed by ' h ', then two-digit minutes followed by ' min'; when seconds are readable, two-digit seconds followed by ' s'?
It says 8 h 59 min 15 s
